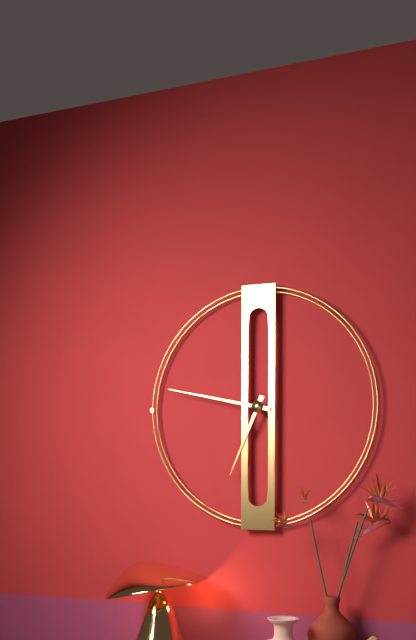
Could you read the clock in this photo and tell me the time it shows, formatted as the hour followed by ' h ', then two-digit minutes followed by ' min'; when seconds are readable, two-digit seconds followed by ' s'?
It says 6 h 47 min
